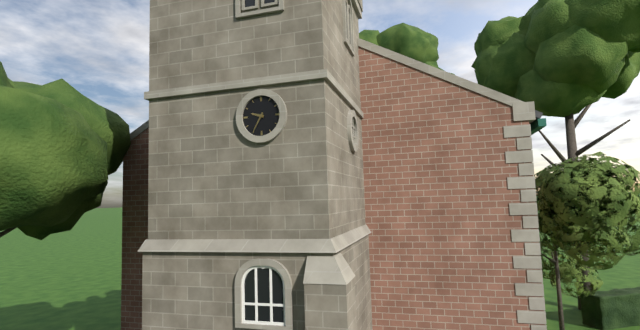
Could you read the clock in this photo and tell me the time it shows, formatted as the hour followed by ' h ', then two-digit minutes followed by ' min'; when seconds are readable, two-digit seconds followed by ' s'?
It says 9 h 35 min
